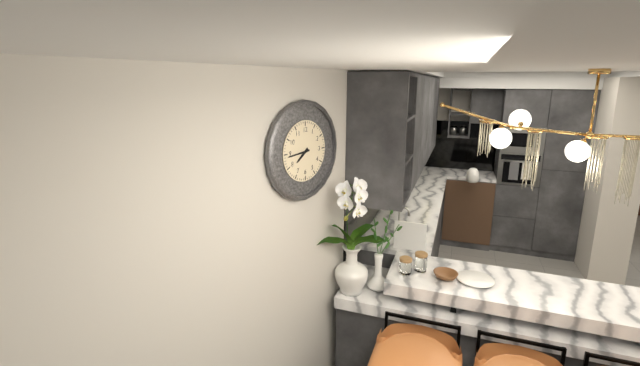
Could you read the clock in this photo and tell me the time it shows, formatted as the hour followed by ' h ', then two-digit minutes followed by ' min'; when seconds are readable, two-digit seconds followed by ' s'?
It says 7 h 44 min
